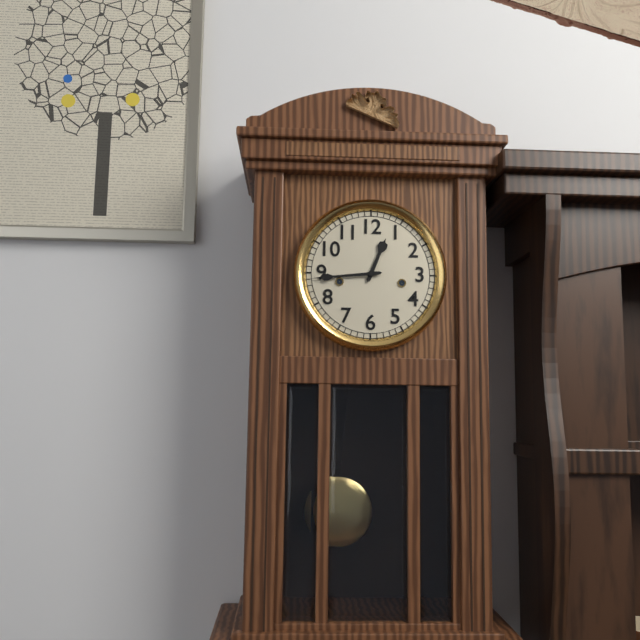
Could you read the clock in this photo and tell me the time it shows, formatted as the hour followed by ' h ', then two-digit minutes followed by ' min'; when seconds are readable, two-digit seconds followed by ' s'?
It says 12 h 44 min
